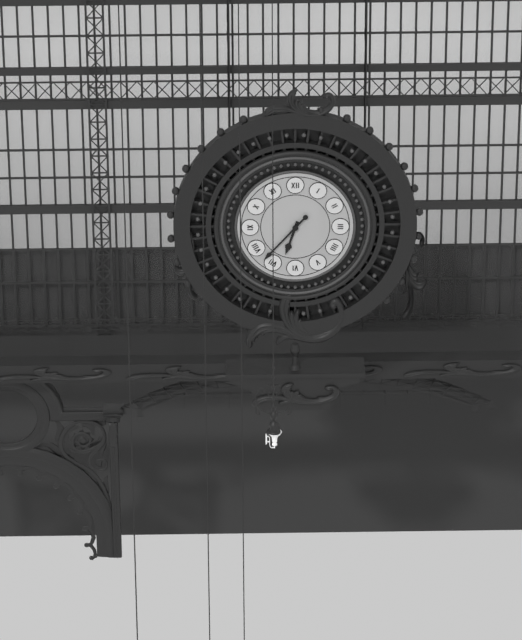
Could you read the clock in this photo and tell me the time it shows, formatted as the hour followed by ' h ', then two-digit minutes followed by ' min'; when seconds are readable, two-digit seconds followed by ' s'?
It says 6 h 37 min
